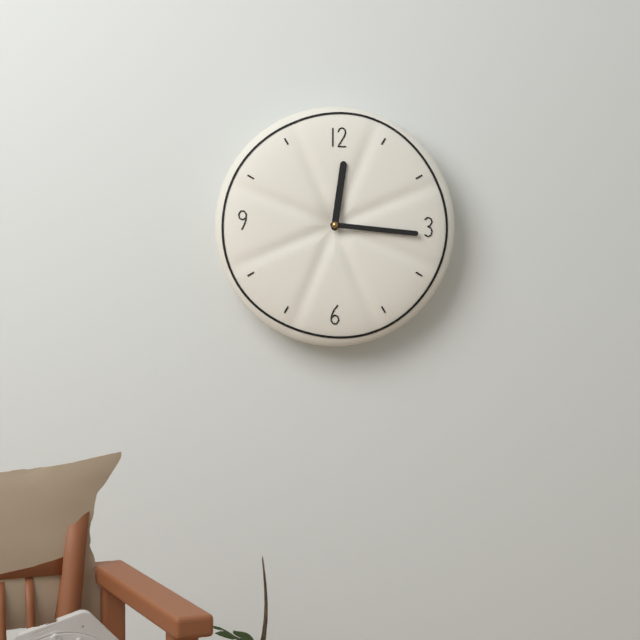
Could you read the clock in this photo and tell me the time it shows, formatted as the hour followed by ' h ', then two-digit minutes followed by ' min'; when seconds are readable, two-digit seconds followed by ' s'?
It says 12 h 16 min
